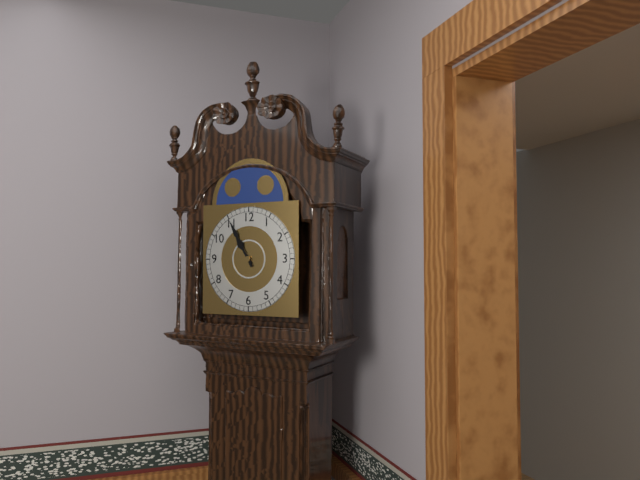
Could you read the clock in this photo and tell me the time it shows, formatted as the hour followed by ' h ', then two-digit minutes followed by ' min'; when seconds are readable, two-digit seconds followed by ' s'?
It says 10 h 55 min
